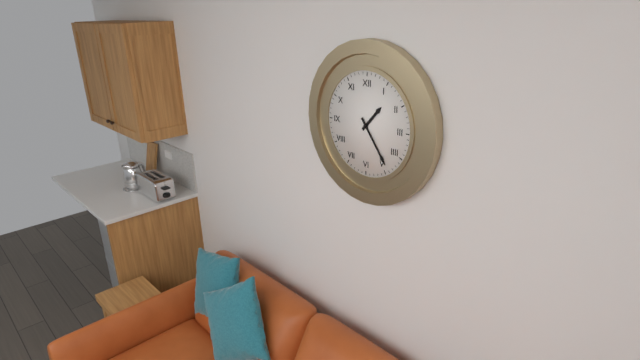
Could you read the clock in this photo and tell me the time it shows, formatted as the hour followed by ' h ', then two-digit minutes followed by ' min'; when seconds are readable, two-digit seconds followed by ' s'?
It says 1 h 24 min
